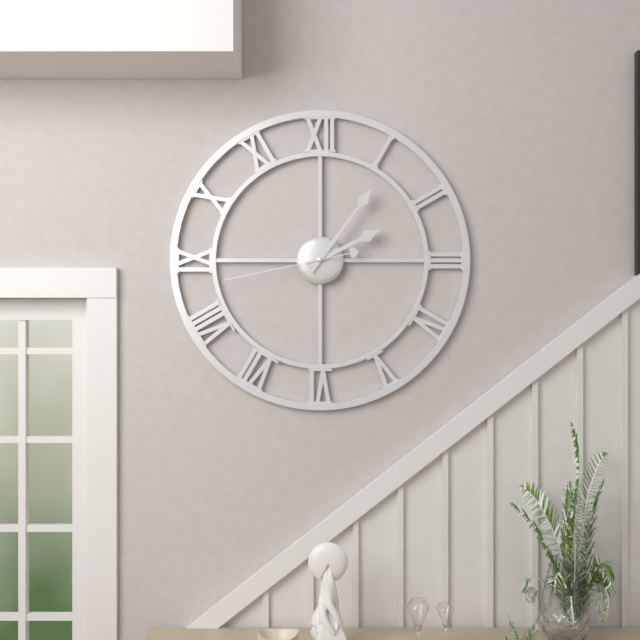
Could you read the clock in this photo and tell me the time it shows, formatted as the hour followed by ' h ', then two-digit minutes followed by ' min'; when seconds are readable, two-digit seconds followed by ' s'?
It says 2 h 06 min 43 s
